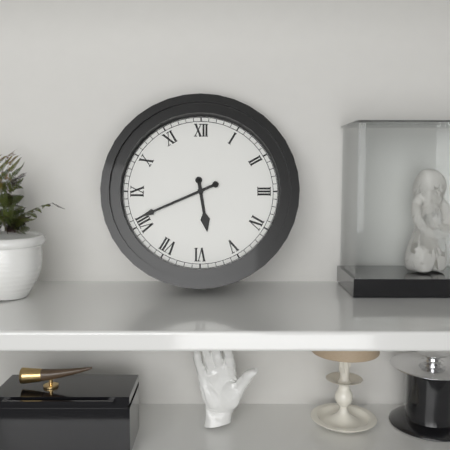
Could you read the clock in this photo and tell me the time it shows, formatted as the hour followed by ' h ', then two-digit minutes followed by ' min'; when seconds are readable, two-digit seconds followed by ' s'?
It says 5 h 41 min
